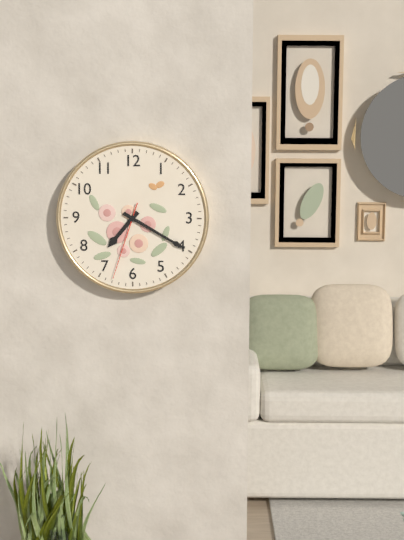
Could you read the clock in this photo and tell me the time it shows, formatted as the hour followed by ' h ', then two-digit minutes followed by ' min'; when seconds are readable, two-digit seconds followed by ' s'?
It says 7 h 20 min 33 s
